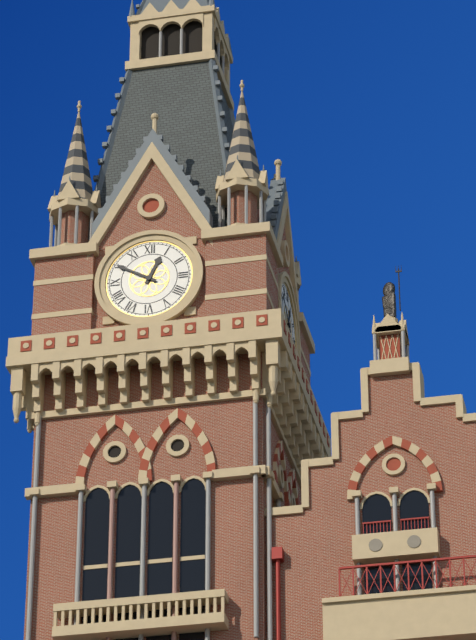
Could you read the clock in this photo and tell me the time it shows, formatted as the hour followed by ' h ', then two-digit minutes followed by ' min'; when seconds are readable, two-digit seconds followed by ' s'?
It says 12 h 50 min
